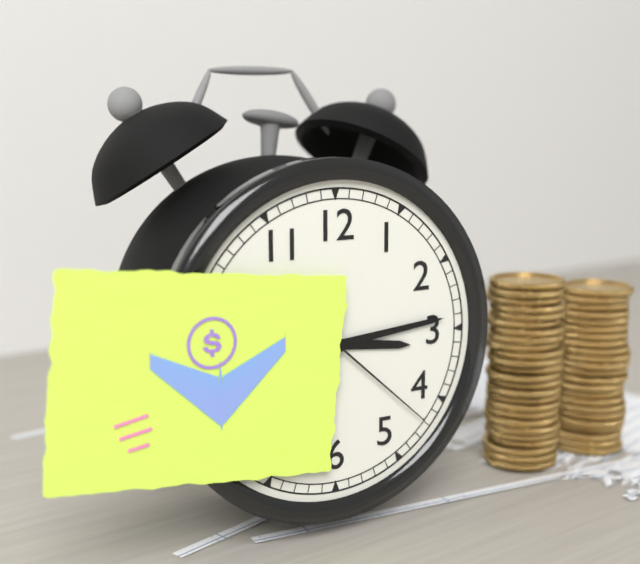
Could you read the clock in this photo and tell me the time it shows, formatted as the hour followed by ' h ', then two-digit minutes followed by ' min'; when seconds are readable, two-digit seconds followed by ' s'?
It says 3 h 14 min 22 s
